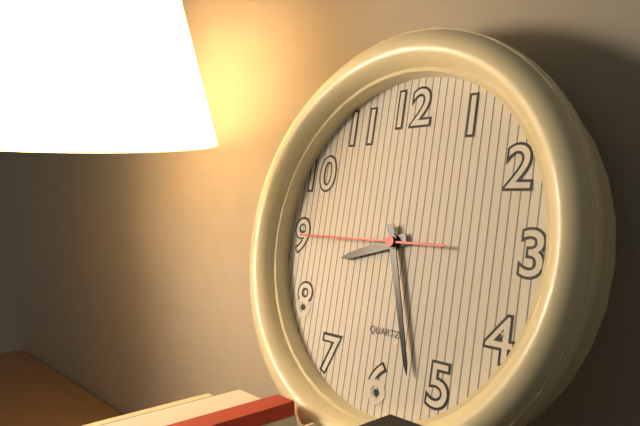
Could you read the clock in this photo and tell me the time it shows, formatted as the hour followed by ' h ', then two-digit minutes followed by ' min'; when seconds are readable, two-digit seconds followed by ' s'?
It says 8 h 27 min 45 s
